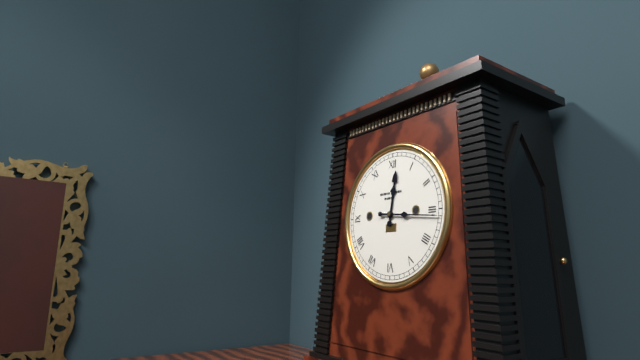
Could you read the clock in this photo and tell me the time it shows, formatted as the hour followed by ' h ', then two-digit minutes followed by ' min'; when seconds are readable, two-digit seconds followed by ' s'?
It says 12 h 16 min
